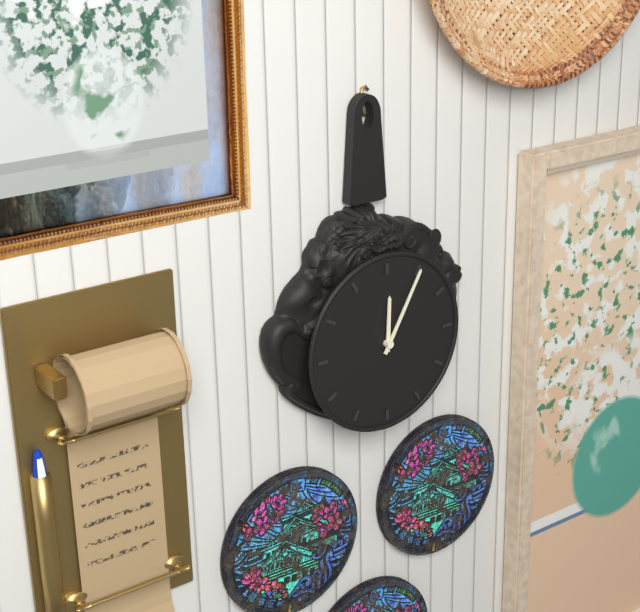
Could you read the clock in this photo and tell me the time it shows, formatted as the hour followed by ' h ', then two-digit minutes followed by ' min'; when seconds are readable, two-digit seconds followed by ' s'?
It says 12 h 05 min
